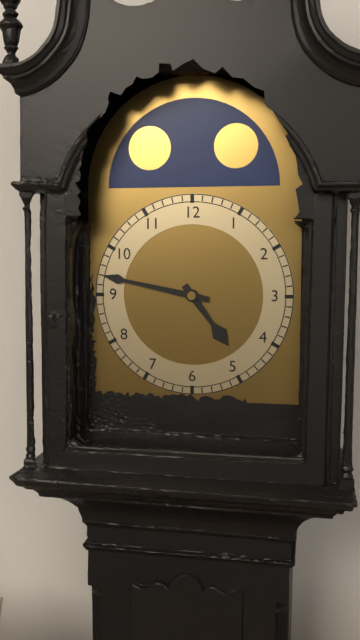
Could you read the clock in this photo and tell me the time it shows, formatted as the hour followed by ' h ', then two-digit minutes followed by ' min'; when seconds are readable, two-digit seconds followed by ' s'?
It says 4 h 47 min
